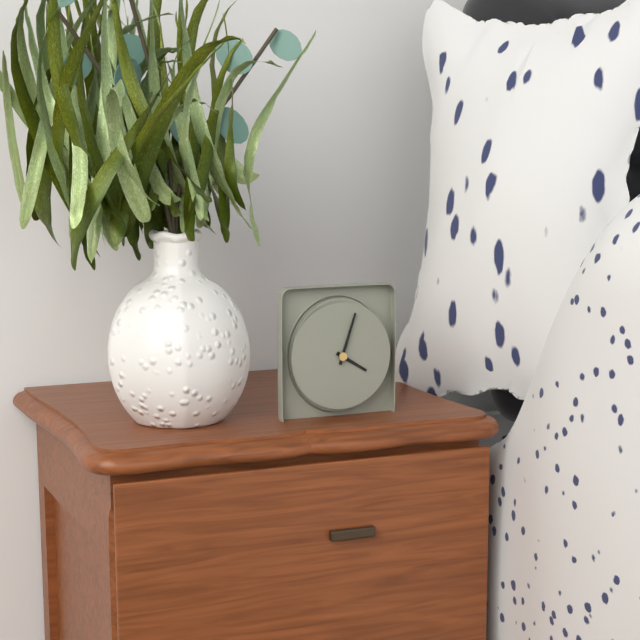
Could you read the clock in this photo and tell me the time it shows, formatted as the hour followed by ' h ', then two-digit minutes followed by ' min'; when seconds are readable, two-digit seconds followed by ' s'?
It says 4 h 03 min
